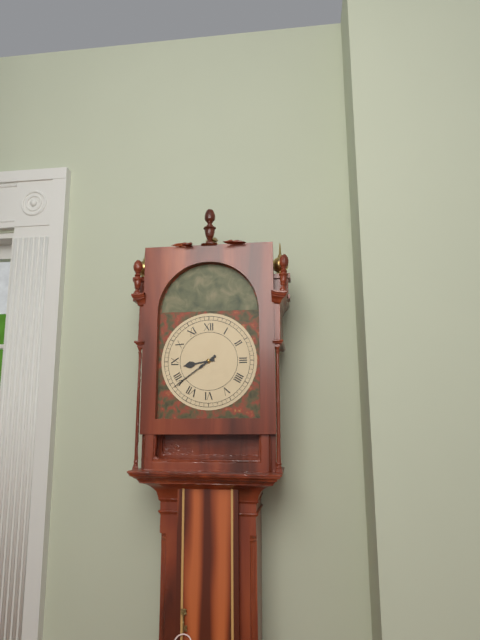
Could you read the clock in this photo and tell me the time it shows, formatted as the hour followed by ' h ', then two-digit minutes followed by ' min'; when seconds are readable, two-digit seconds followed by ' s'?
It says 8 h 39 min
